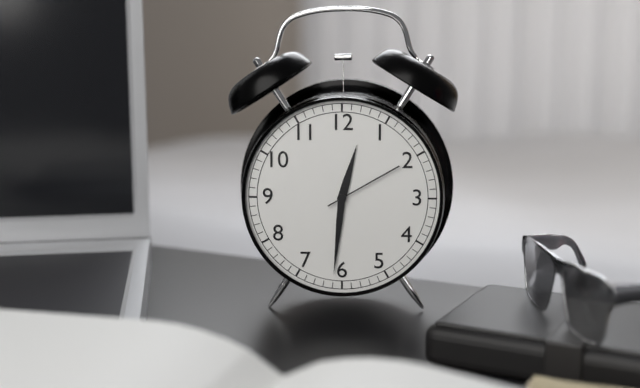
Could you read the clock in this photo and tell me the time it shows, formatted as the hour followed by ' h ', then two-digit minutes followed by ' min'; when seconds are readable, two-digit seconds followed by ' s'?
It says 12 h 31 min 10 s
